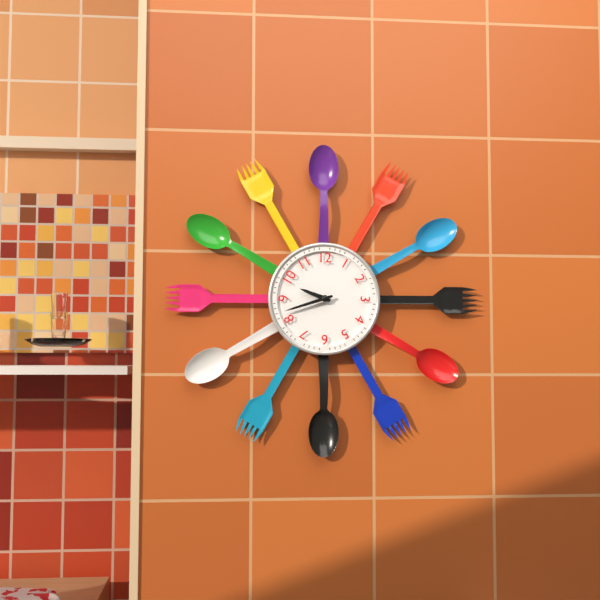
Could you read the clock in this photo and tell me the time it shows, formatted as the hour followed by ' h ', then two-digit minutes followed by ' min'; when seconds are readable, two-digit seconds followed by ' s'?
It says 9 h 42 min
